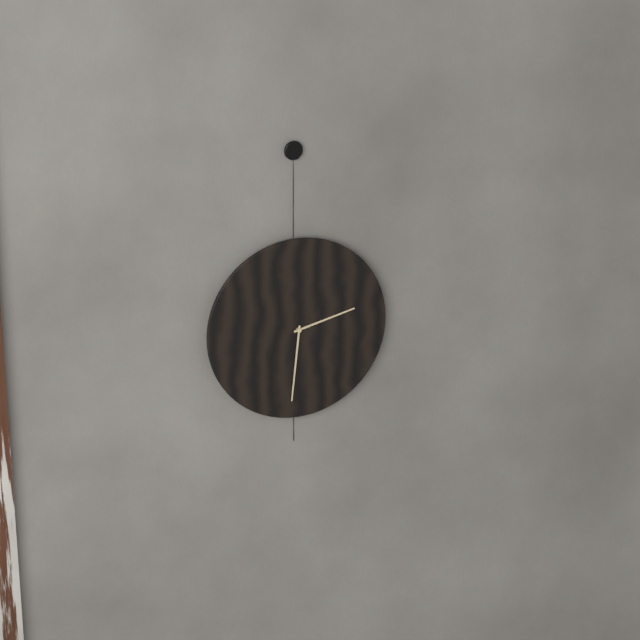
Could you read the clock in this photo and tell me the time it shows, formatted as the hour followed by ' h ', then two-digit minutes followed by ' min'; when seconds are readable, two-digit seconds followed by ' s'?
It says 2 h 31 min
